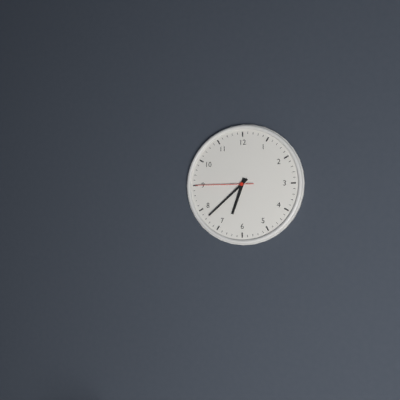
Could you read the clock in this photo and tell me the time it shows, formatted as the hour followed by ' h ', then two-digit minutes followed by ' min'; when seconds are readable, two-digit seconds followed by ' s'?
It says 6 h 38 min 45 s
